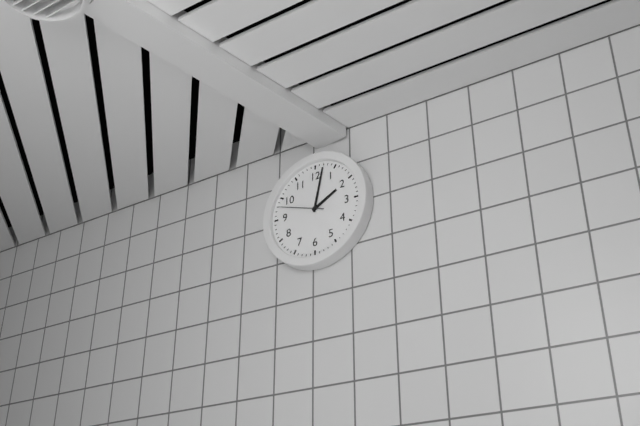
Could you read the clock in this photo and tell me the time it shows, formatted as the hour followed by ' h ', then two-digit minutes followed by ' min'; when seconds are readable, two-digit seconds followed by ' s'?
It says 2 h 02 min
